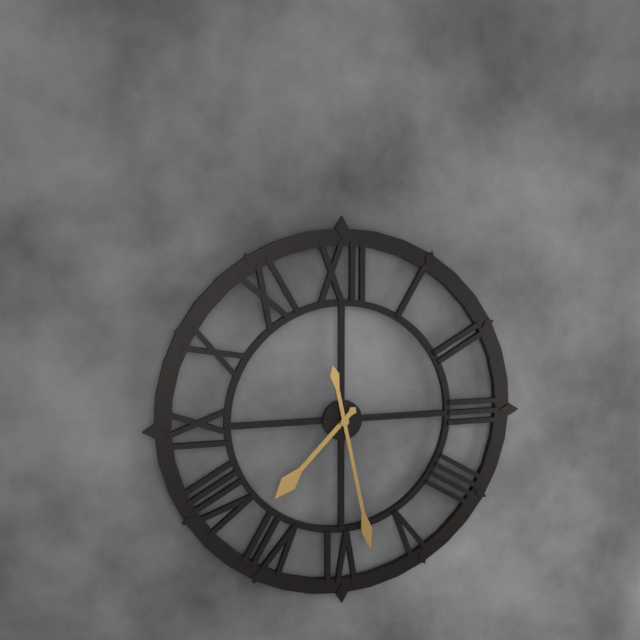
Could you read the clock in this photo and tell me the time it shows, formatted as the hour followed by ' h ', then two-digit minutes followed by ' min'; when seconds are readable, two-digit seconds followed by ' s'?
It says 7 h 28 min
